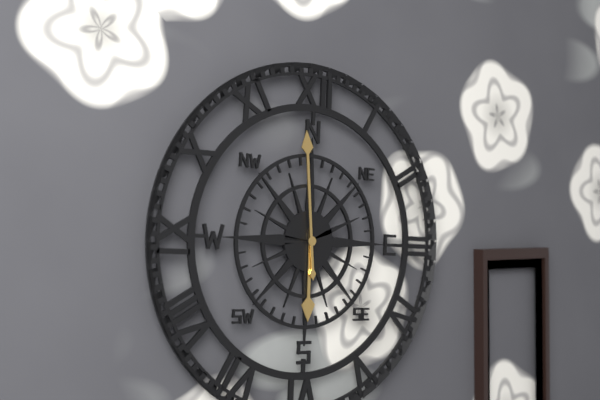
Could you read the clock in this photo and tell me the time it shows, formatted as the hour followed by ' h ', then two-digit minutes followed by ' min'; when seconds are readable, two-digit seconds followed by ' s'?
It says 5 h 59 min
